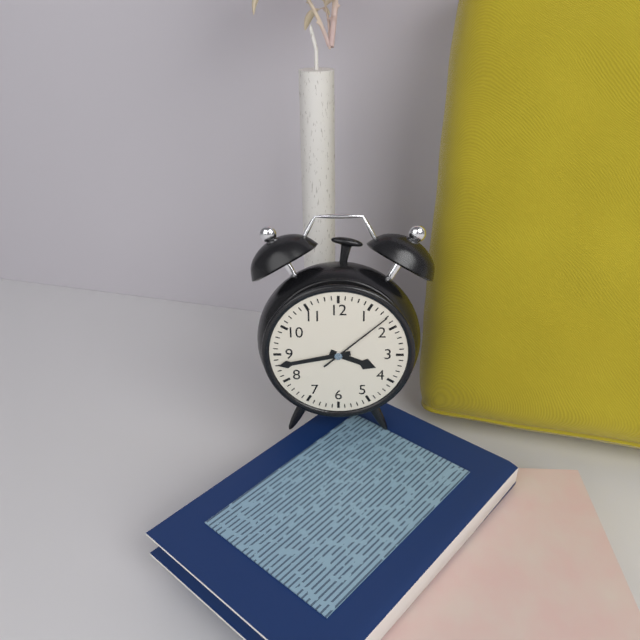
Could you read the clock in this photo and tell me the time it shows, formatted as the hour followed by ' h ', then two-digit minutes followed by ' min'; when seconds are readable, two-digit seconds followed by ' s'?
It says 3 h 43 min 08 s
